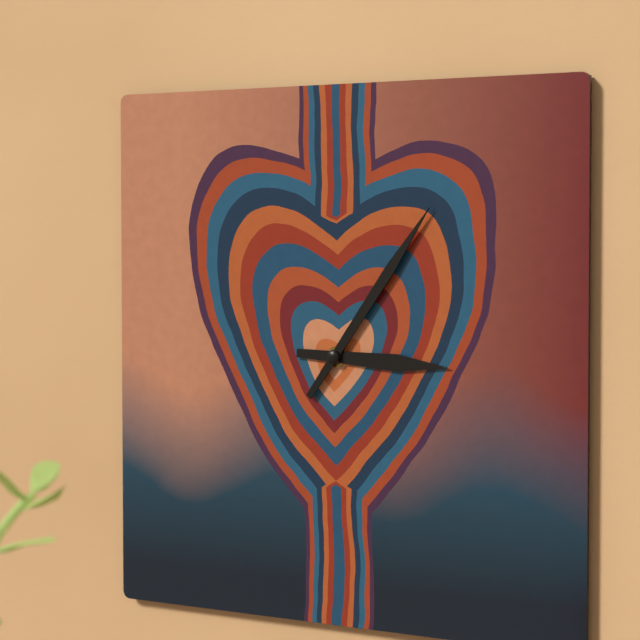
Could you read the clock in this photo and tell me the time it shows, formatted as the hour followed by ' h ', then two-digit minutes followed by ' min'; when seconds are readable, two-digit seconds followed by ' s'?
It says 3 h 06 min
